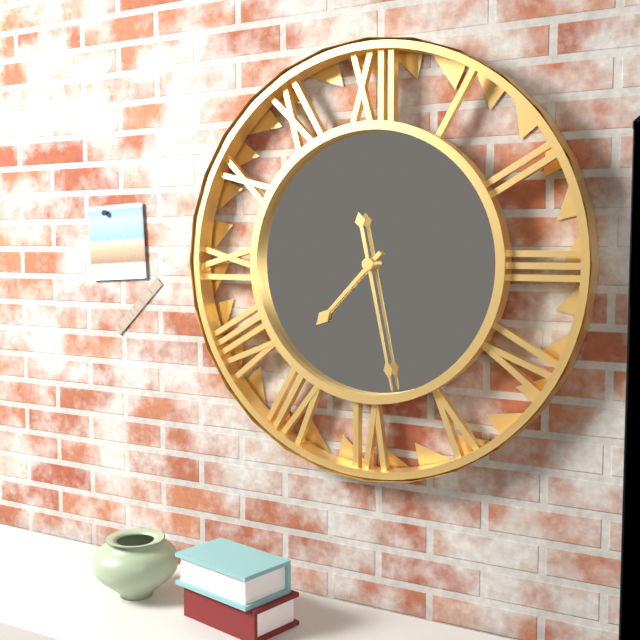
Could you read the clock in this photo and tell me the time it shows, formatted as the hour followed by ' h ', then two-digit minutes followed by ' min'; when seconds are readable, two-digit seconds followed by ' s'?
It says 7 h 28 min
